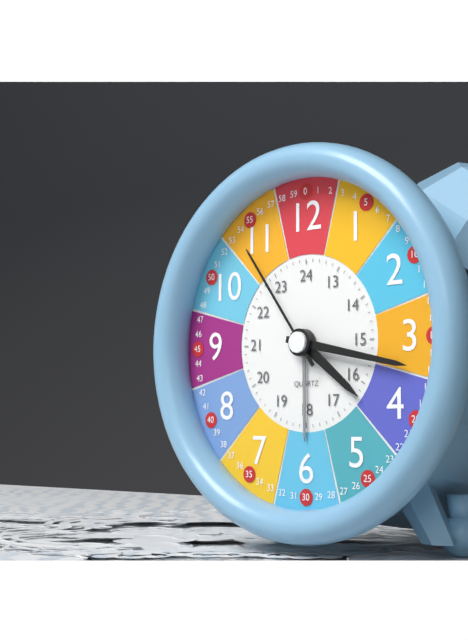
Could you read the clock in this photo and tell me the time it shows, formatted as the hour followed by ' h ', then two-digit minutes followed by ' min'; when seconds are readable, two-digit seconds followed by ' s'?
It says 4 h 17 min 54 s
